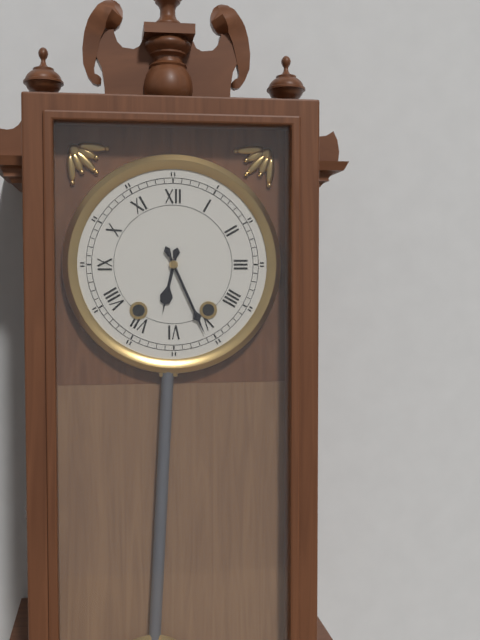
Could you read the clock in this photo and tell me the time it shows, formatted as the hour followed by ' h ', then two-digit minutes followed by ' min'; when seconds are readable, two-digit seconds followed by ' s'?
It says 6 h 26 min
